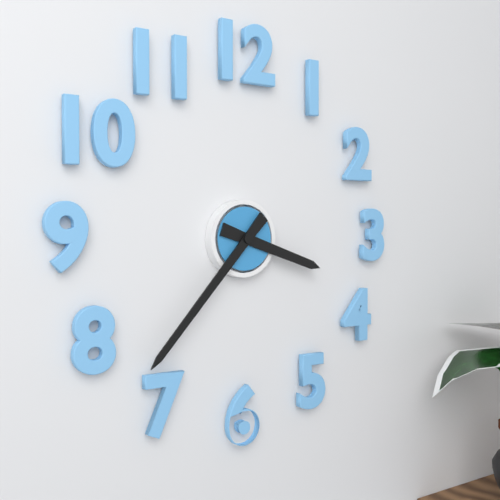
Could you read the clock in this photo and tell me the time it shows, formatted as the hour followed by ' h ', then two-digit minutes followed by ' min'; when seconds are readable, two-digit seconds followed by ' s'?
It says 3 h 37 min
